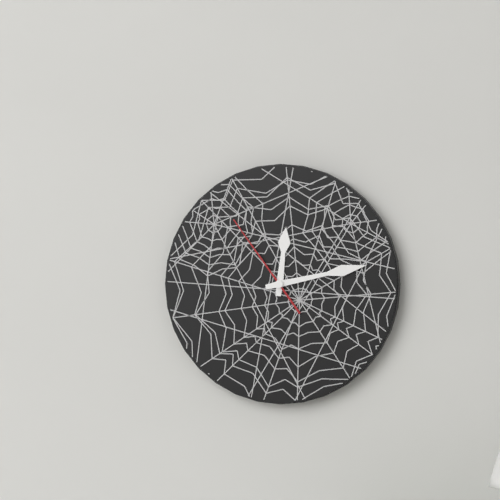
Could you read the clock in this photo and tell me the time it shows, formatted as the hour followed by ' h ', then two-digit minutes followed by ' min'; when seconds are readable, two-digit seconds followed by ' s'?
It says 12 h 13 min 54 s
